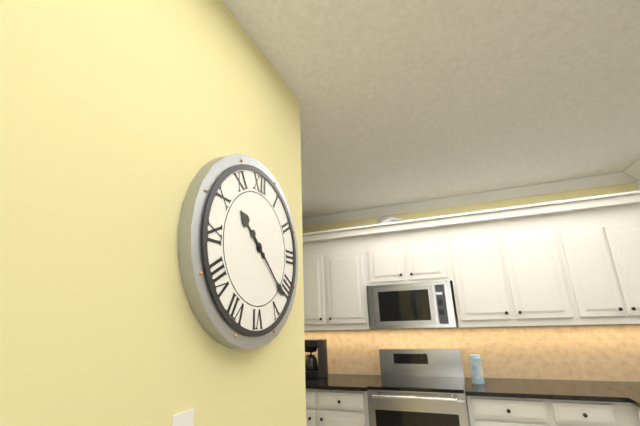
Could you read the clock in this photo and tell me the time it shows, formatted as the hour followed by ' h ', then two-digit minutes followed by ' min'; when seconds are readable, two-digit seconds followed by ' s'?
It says 10 h 22 min
